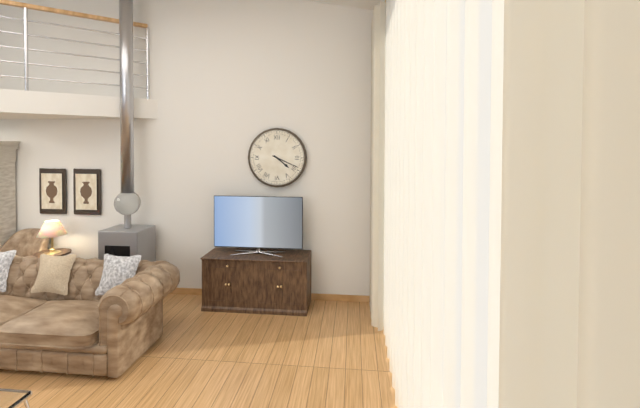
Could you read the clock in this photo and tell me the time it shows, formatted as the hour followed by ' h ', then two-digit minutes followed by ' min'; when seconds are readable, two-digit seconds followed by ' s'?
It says 4 h 19 min
